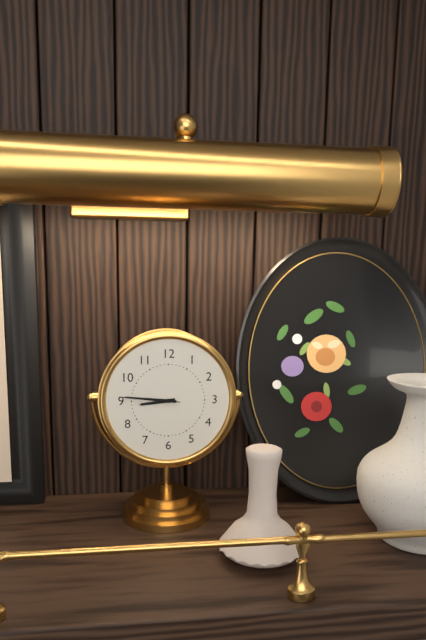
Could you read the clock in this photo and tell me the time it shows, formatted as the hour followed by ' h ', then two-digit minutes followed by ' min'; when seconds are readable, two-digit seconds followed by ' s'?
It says 8 h 46 min 46 s
